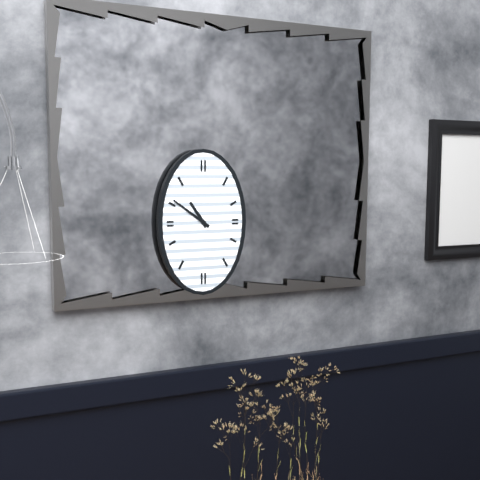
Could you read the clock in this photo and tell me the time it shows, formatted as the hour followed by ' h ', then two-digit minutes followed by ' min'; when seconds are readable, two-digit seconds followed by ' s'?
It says 10 h 51 min
